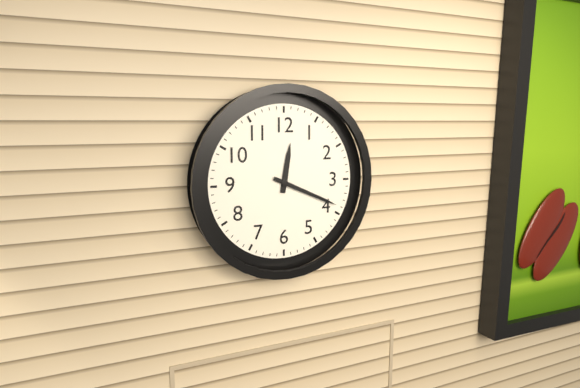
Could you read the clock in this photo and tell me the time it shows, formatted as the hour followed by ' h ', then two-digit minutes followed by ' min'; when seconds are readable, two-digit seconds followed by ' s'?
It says 12 h 19 min
